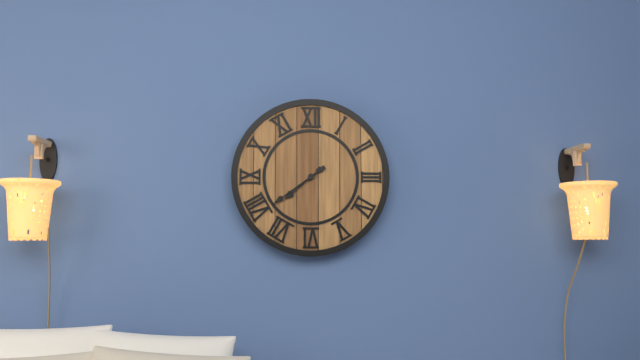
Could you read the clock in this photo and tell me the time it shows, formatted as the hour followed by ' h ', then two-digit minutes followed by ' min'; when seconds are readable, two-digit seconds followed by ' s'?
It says 7 h 39 min
